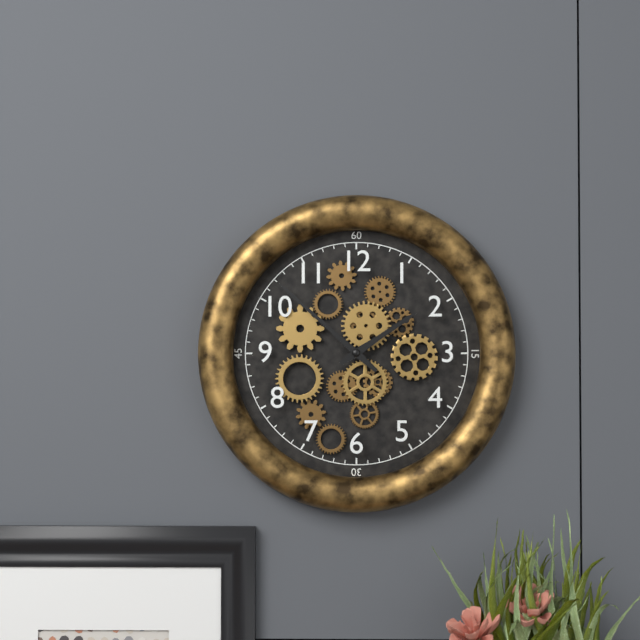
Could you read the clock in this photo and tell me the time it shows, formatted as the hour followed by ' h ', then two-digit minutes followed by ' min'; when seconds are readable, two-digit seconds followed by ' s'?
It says 1 h 52 min
